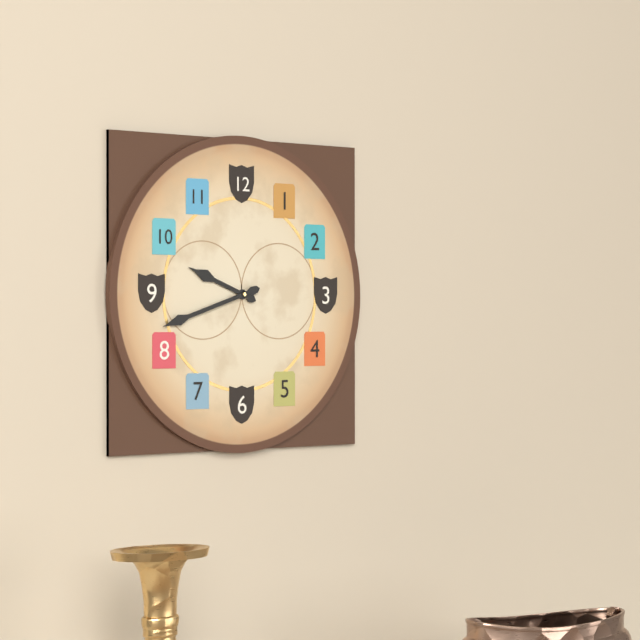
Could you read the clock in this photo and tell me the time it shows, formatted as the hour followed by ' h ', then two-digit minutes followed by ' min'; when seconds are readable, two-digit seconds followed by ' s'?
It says 9 h 42 min
